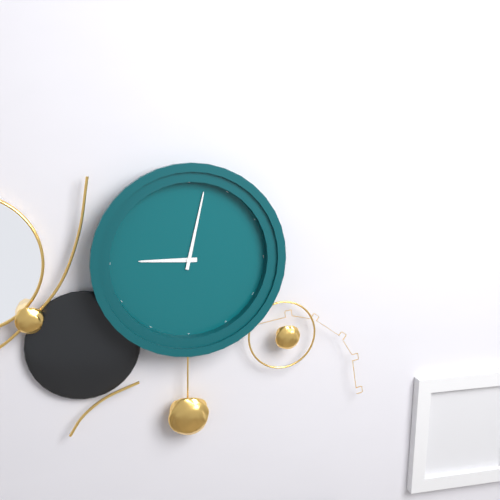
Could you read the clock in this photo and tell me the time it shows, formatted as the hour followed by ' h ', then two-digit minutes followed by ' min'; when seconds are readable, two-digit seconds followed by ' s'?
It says 9 h 02 min
